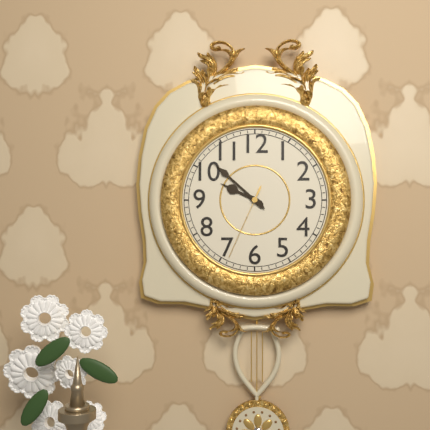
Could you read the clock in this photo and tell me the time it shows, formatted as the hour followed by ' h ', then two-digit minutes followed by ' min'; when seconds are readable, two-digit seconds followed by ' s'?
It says 9 h 52 min 34 s
